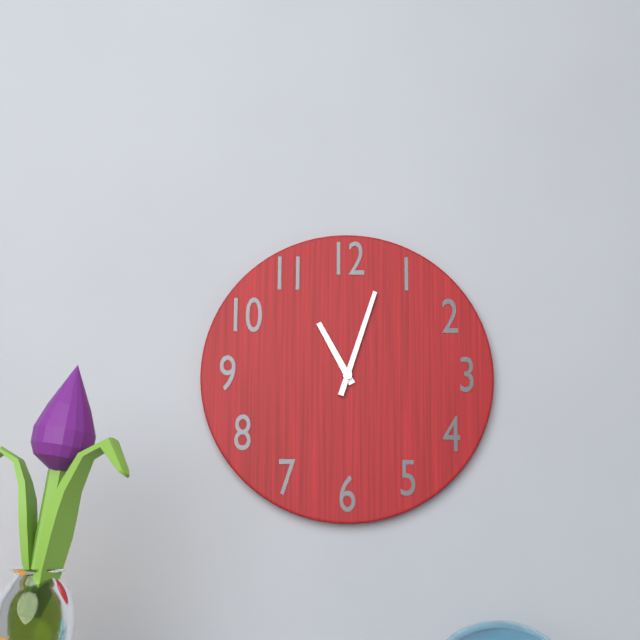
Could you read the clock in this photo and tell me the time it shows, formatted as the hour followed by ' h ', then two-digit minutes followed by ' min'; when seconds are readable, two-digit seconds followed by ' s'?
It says 11 h 03 min
